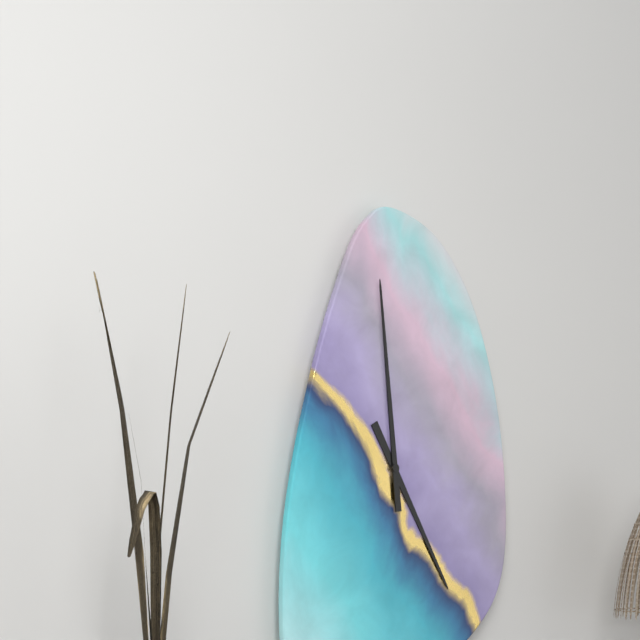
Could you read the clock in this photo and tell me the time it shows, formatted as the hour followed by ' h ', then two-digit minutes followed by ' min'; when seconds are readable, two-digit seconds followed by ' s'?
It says 4 h 59 min
